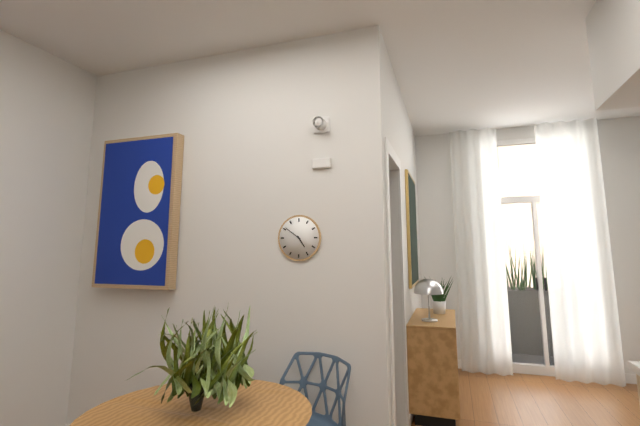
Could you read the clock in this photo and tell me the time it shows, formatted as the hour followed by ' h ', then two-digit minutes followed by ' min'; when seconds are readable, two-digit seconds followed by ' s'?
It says 4 h 51 min
